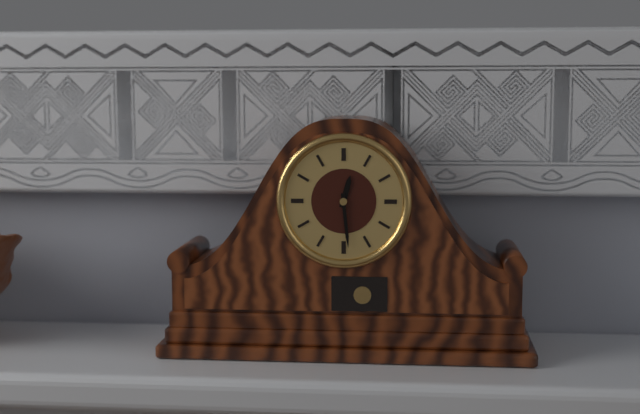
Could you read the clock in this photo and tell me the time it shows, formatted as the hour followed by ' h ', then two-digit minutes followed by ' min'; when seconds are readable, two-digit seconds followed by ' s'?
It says 12 h 29 min
